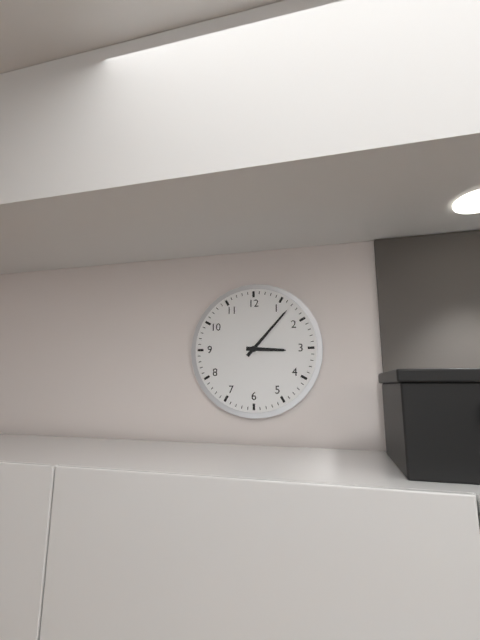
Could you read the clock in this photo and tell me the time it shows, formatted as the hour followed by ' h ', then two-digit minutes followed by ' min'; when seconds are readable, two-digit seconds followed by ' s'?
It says 3 h 07 min
